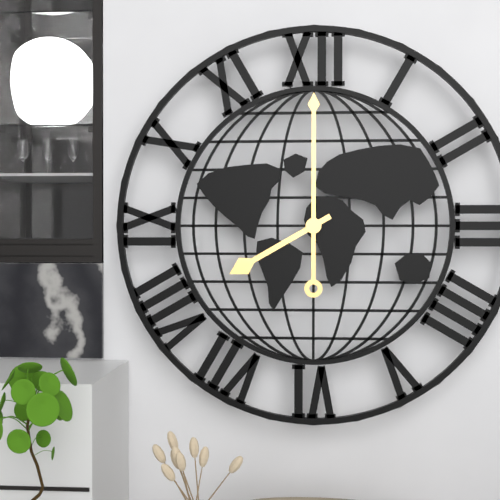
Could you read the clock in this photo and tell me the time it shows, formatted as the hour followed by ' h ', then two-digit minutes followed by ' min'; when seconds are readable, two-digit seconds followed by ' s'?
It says 8 h 00 min
